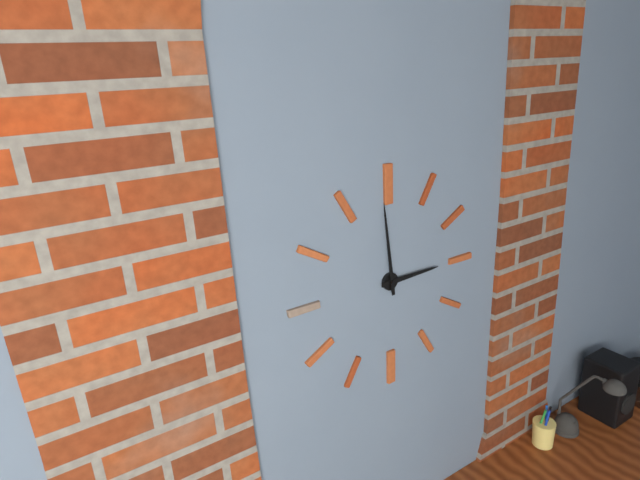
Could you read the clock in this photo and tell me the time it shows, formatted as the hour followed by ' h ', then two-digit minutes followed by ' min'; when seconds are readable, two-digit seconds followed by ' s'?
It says 2 h 59 min
